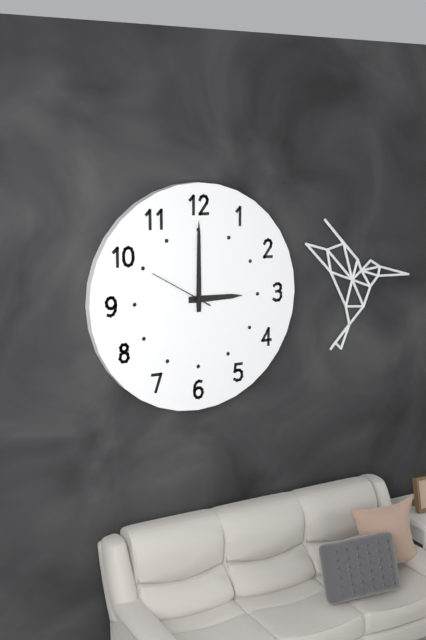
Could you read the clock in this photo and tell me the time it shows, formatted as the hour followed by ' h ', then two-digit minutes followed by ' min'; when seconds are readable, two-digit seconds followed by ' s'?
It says 3 h 00 min 50 s
